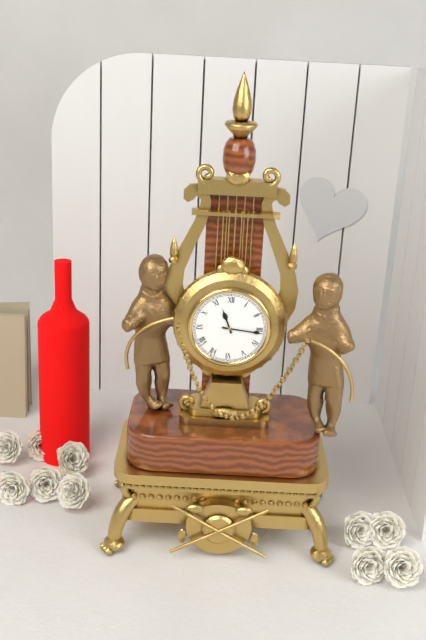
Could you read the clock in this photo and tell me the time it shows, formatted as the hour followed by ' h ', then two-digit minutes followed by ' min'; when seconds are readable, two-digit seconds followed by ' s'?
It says 11 h 16 min
